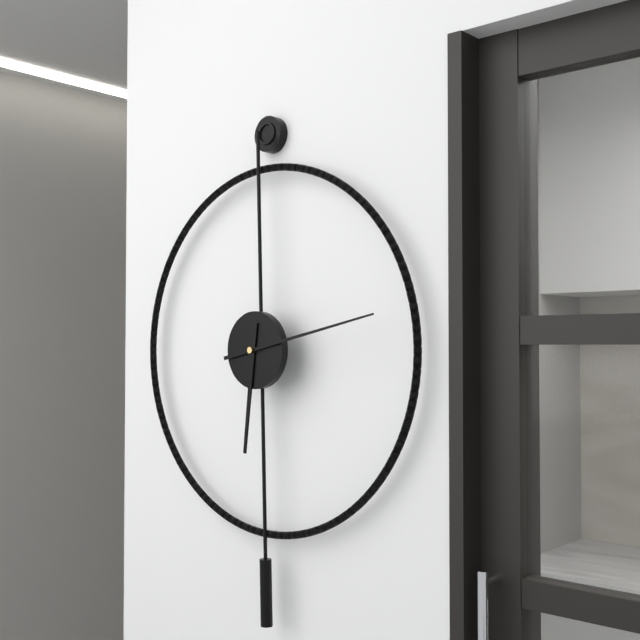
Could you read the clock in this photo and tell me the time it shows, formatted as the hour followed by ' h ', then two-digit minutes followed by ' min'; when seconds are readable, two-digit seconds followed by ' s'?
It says 6 h 13 min
